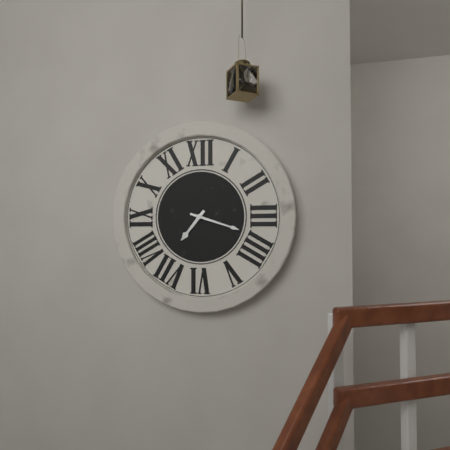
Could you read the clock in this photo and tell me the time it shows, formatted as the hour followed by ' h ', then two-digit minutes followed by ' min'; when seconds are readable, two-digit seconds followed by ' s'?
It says 7 h 18 min
